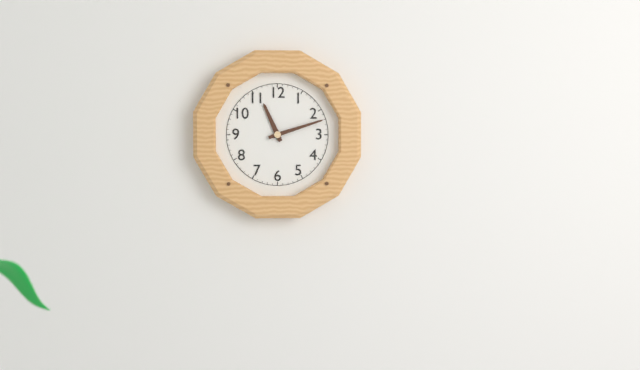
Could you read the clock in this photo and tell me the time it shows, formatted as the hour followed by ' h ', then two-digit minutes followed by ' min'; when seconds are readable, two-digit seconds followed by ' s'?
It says 11 h 12 min
